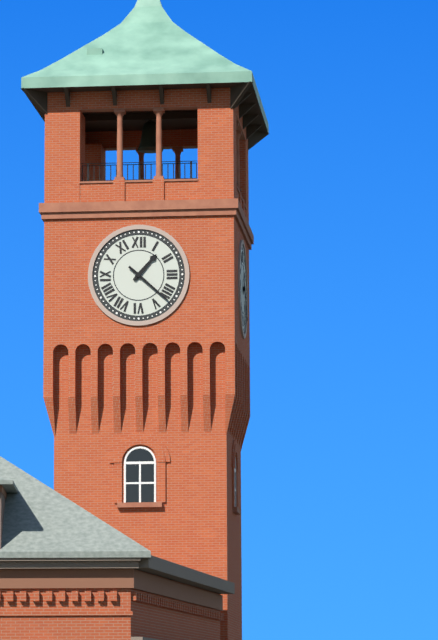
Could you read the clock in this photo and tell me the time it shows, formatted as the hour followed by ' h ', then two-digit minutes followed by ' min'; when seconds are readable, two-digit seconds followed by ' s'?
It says 1 h 22 min
